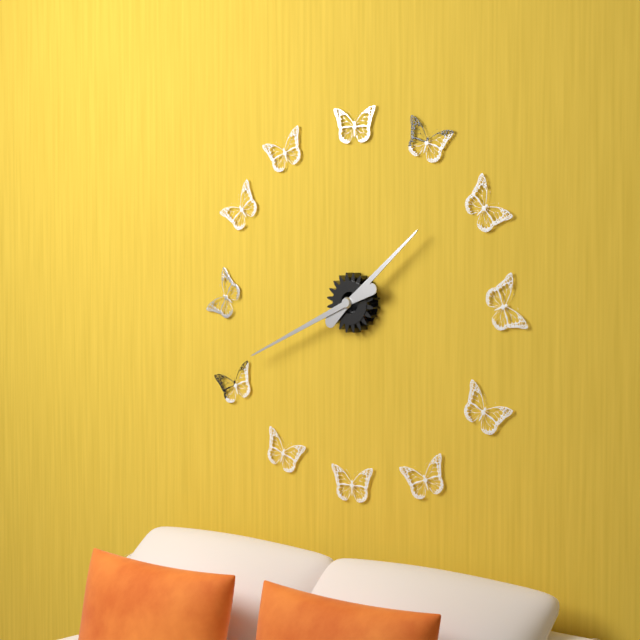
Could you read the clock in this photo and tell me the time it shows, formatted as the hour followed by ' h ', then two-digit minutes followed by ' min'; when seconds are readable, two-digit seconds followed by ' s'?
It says 1 h 41 min
